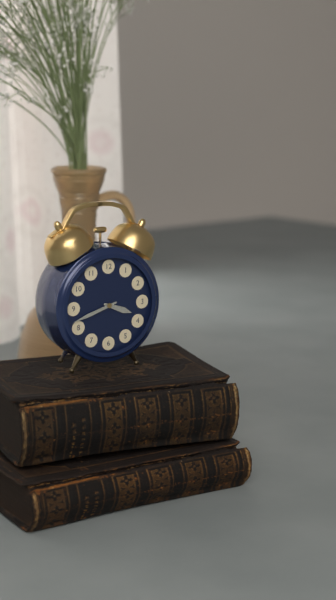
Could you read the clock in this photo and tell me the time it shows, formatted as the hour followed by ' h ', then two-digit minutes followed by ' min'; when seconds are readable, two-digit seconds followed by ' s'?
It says 3 h 42 min
